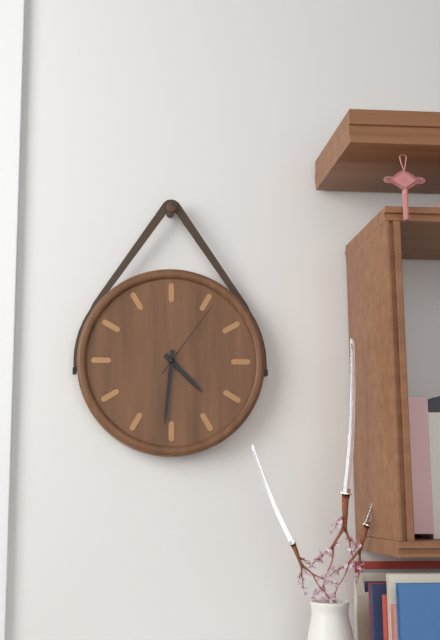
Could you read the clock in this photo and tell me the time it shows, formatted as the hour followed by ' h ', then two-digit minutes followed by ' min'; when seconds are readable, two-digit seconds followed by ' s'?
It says 4 h 31 min 06 s
